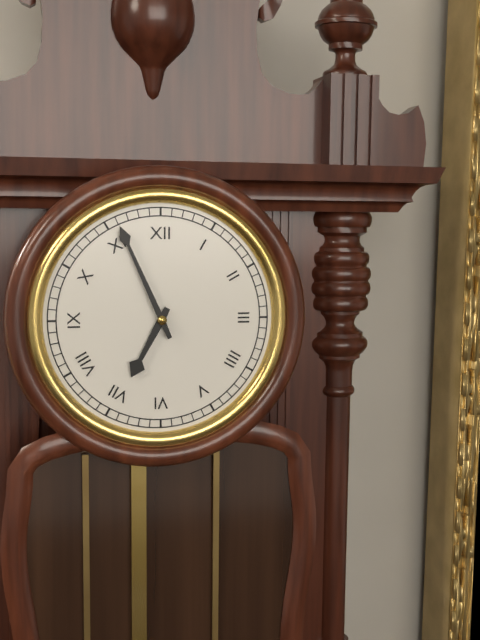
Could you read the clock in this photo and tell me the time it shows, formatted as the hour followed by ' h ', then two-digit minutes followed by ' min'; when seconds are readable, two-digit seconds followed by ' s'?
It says 6 h 56 min
